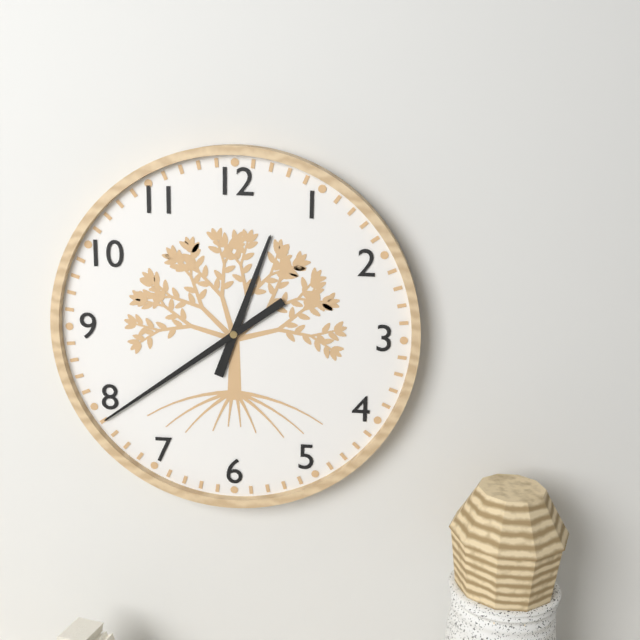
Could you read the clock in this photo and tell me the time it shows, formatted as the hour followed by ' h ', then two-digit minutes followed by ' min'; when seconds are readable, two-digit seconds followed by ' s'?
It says 12 h 39 min
